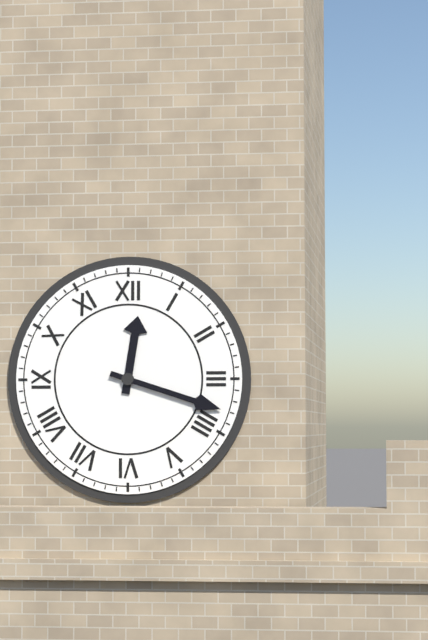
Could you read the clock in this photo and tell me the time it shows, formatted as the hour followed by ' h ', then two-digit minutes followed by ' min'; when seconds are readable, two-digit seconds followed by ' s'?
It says 12 h 18 min
